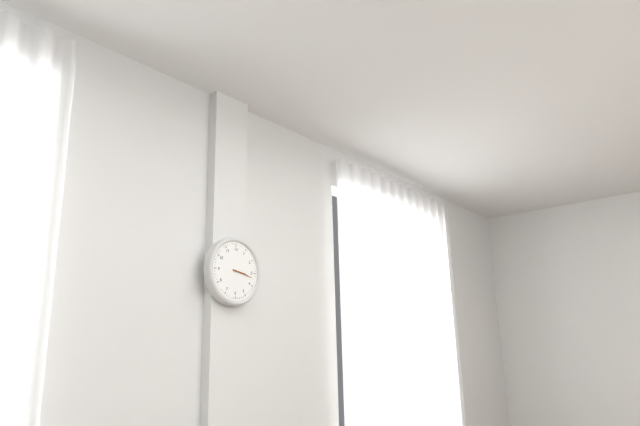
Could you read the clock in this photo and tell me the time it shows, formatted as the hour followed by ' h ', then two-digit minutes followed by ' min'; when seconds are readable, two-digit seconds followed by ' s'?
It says 3 h 17 min
